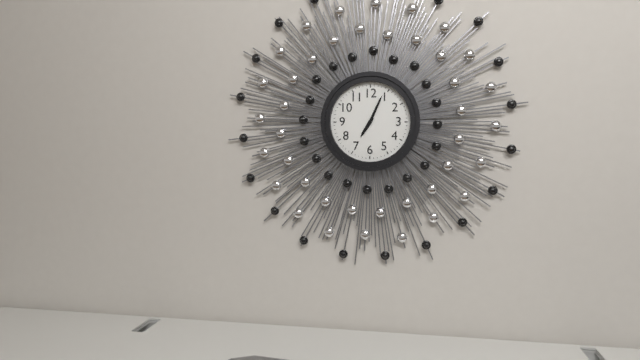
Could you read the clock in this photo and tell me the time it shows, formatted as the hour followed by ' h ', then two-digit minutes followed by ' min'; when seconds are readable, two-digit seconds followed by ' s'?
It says 7 h 04 min
